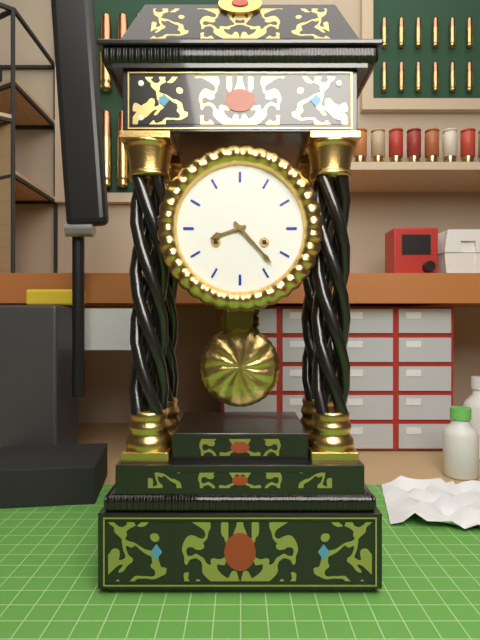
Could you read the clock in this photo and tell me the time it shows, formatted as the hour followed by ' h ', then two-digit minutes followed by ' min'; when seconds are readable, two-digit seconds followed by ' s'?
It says 8 h 23 min
